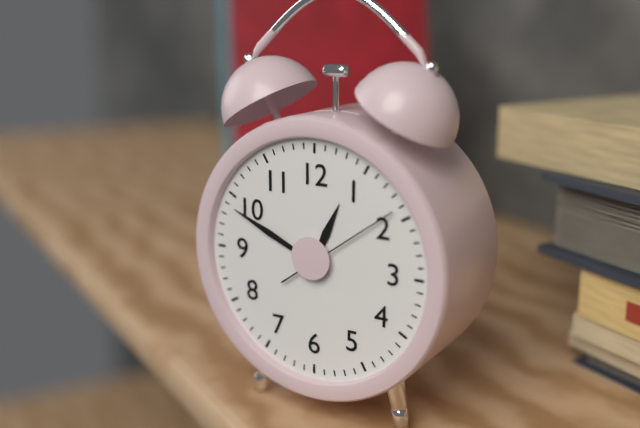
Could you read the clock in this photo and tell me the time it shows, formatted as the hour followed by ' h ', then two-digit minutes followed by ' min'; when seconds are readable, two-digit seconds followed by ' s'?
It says 12 h 49 min 09 s
